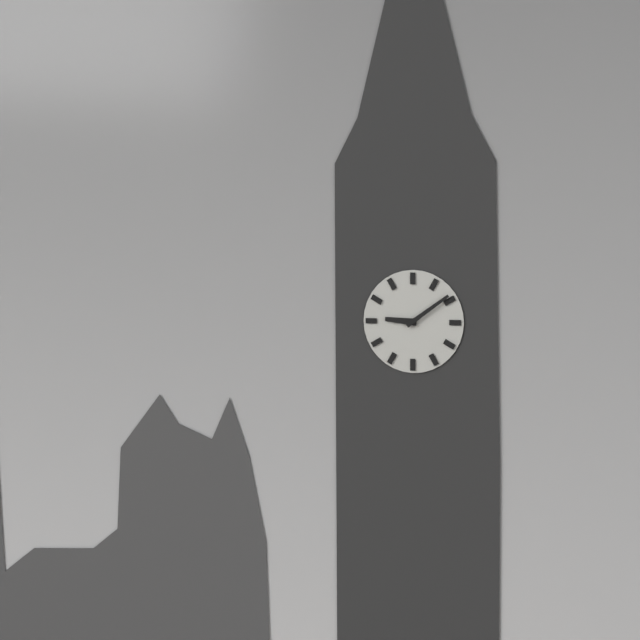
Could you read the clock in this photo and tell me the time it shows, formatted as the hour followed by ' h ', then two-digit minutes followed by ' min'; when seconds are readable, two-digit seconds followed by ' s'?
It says 9 h 09 min
